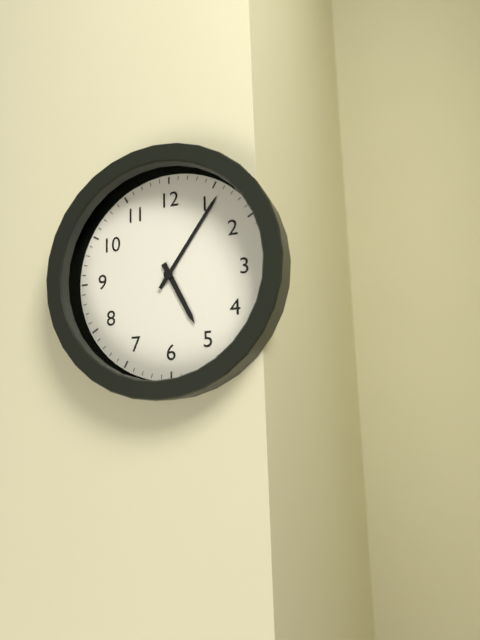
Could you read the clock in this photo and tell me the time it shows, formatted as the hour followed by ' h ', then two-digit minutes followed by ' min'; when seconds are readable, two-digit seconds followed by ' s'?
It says 5 h 06 min
